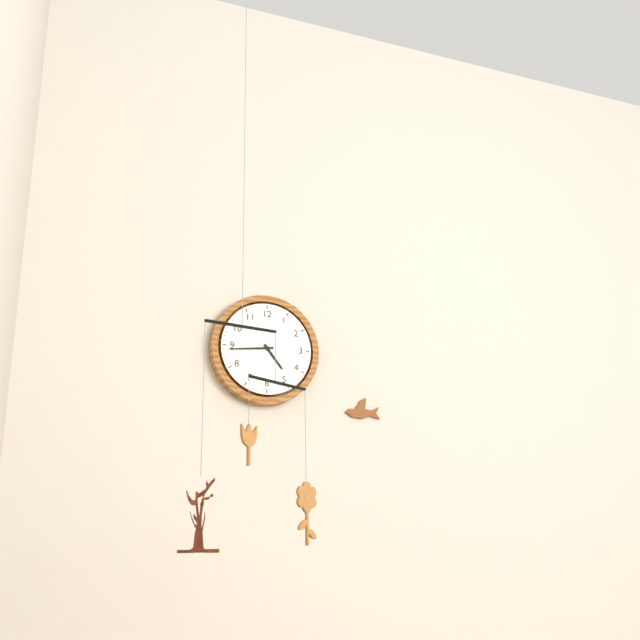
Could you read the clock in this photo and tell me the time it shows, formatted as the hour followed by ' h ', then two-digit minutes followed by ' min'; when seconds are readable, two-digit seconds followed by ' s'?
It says 4 h 44 min
